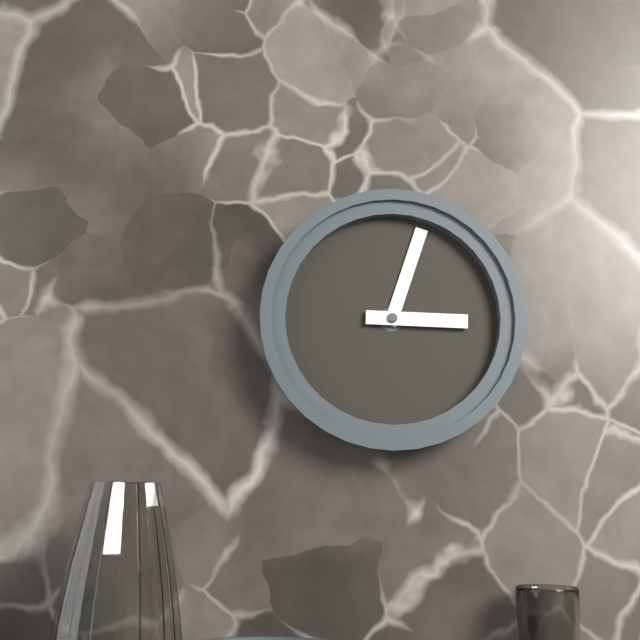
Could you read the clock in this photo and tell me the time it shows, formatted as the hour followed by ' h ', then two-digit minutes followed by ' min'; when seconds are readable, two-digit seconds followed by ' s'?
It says 3 h 03 min
